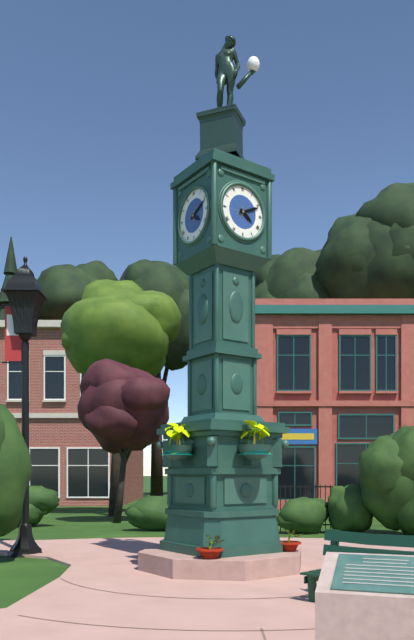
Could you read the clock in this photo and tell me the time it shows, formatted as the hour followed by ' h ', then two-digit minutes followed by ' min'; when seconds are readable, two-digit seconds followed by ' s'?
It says 4 h 11 min
